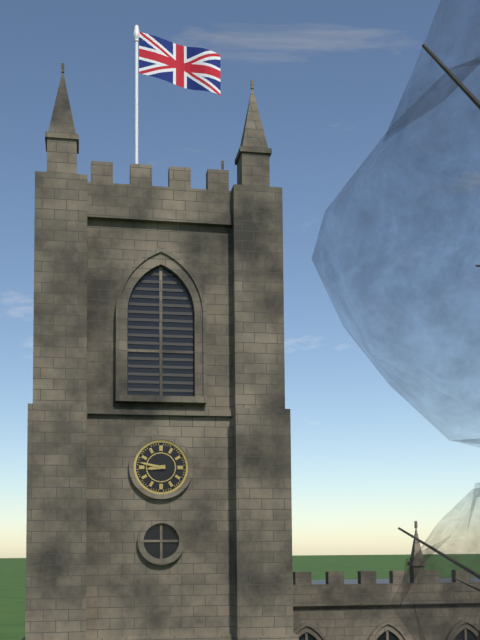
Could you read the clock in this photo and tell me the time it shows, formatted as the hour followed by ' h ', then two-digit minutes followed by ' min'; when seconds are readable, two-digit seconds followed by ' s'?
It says 8 h 47 min
